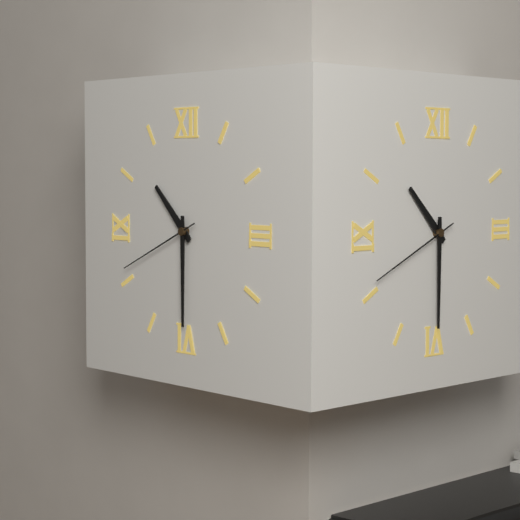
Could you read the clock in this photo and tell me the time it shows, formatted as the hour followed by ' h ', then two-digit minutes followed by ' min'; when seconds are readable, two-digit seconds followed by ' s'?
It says 10 h 30 min 41 s
